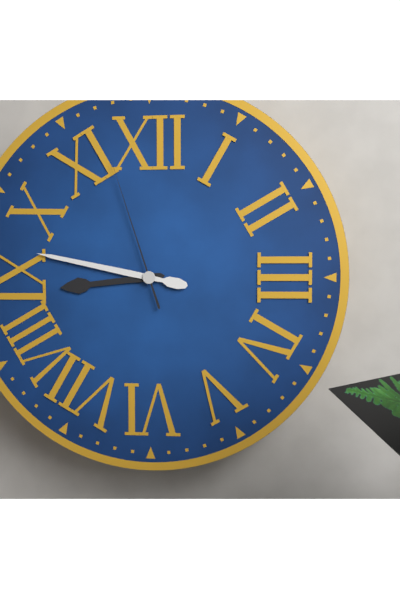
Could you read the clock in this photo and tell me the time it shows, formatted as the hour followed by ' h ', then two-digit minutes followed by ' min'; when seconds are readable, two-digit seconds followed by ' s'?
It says 8 h 47 min 57 s
